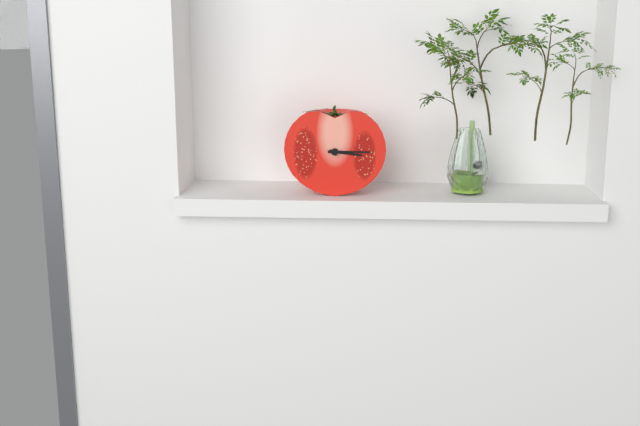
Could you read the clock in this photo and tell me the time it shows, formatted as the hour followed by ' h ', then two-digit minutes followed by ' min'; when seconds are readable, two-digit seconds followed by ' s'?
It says 3 h 15 min
